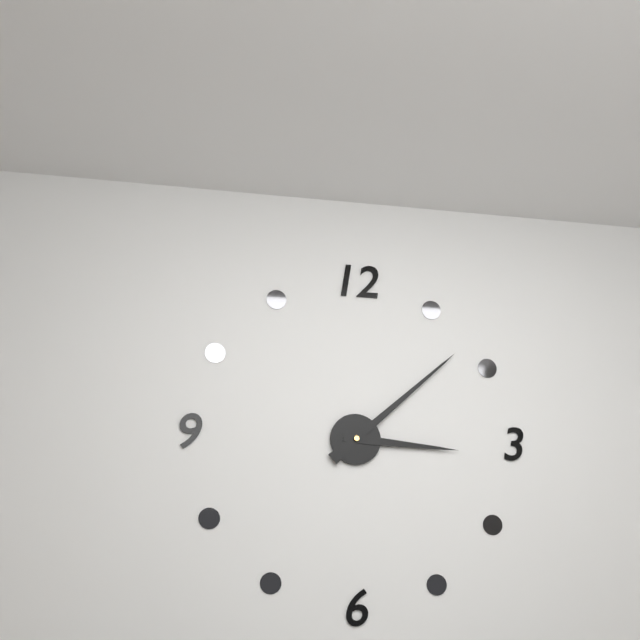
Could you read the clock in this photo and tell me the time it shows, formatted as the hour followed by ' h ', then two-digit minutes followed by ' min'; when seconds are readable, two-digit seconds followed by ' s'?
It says 3 h 08 min
